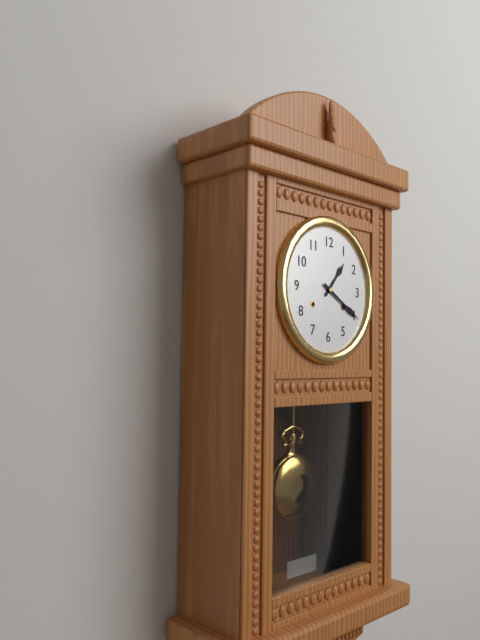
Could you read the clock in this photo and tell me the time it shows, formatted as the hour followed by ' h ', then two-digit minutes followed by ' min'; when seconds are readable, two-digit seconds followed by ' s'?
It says 1 h 20 min
